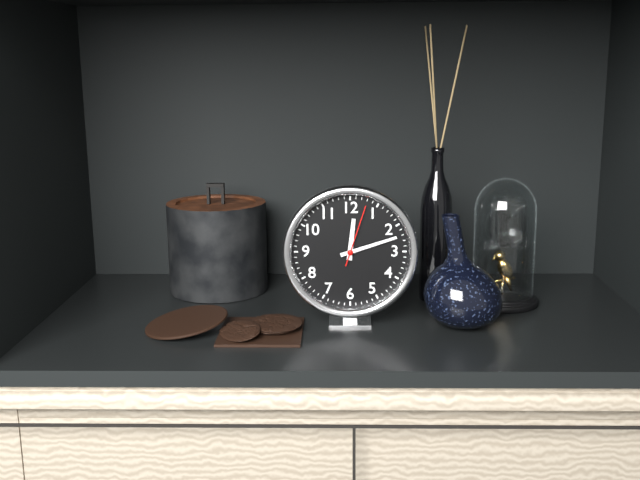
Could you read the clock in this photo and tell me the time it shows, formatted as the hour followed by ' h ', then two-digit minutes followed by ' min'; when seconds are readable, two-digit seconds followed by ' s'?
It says 12 h 12 min 03 s
